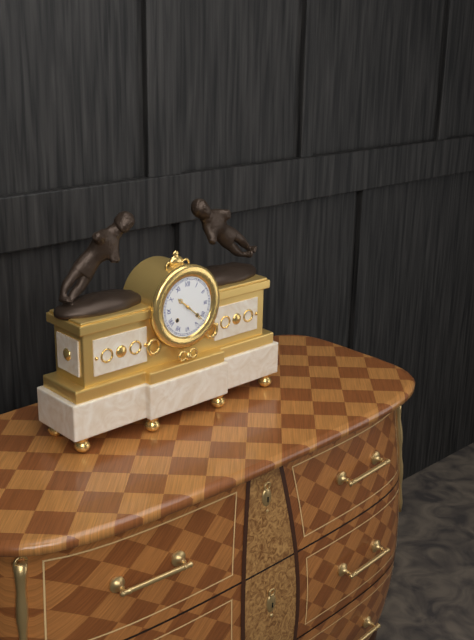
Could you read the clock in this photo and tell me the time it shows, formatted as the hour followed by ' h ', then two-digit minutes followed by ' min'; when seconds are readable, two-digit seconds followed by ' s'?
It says 10 h 22 min
